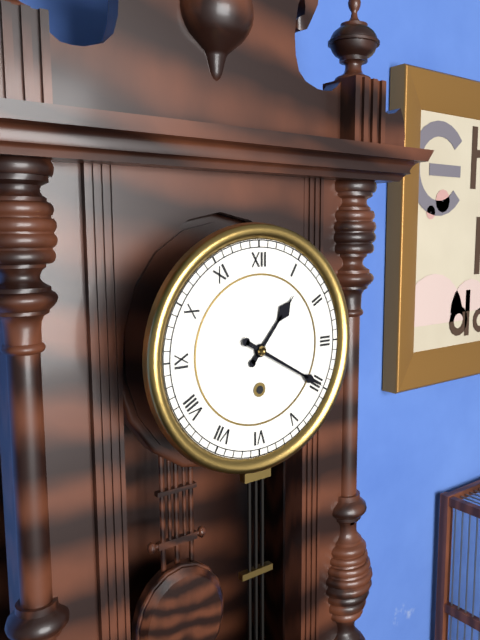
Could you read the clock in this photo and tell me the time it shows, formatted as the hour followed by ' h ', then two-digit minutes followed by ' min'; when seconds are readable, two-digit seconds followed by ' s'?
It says 1 h 20 min
